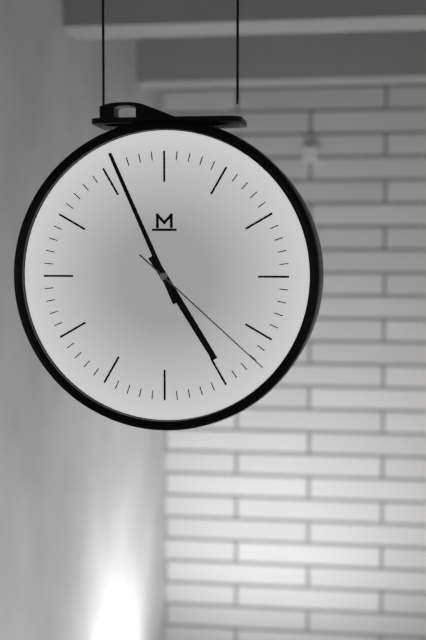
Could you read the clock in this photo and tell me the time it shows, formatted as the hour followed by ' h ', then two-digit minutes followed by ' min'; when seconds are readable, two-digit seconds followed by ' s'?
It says 4 h 56 min 22 s
